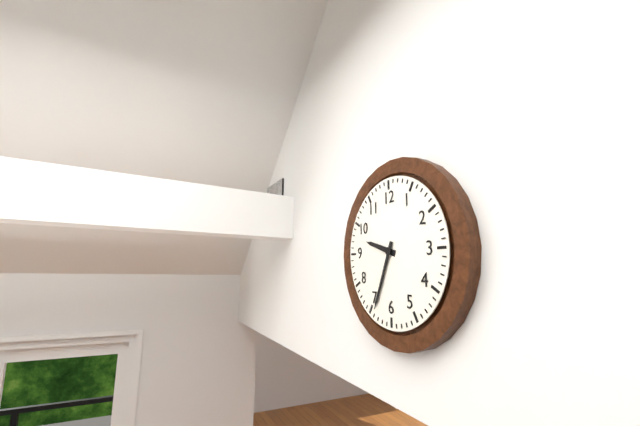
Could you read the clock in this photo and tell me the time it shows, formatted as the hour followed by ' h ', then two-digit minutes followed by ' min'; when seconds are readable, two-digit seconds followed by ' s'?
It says 9 h 34 min
